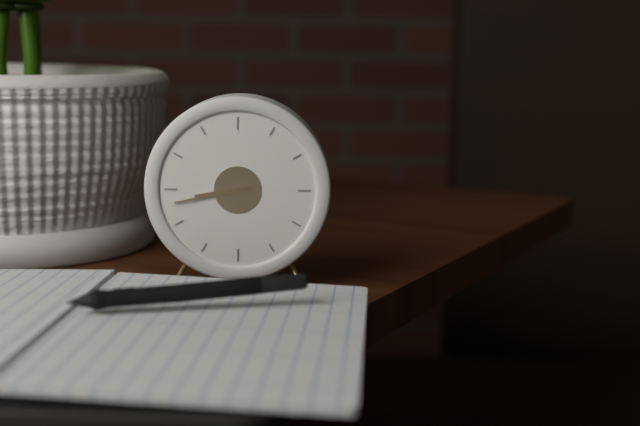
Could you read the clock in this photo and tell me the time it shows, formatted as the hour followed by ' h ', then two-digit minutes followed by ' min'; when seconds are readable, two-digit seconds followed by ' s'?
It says 8 h 43 min
